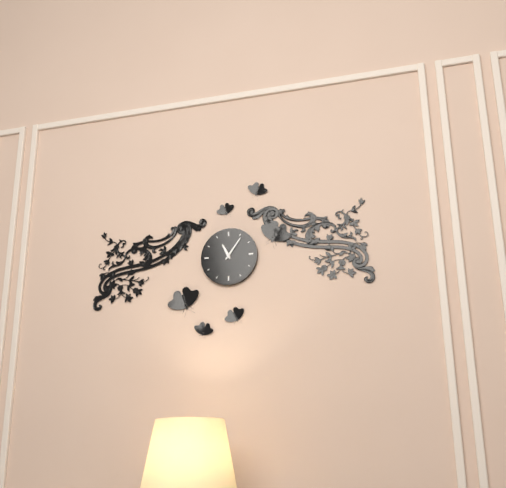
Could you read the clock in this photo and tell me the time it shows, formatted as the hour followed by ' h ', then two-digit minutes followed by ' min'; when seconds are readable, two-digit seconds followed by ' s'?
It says 11 h 06 min
